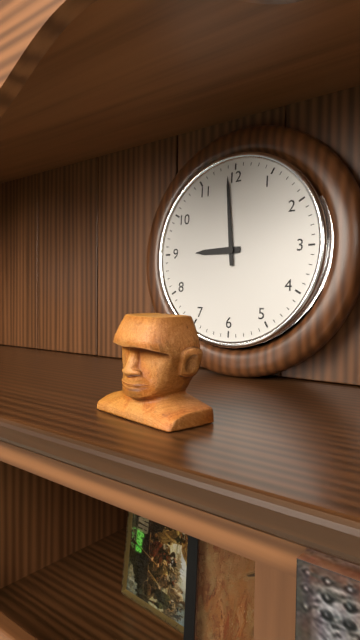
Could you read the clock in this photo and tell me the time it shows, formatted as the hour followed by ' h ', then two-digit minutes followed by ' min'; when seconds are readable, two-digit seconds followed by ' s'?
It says 8 h 59 min
